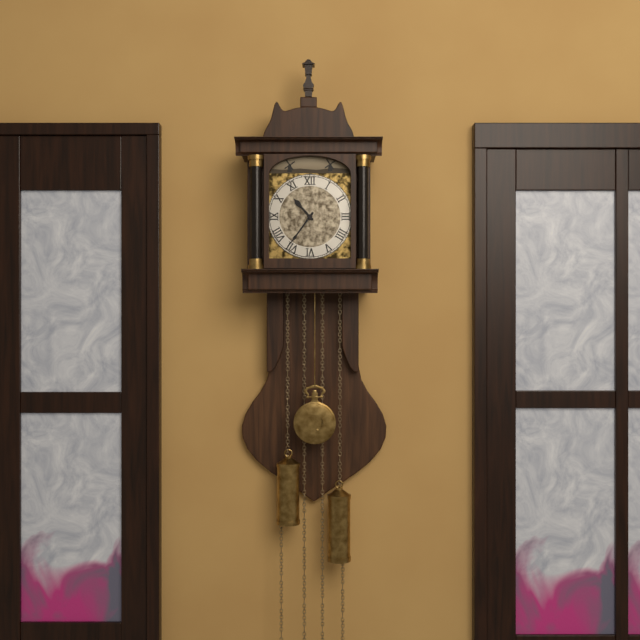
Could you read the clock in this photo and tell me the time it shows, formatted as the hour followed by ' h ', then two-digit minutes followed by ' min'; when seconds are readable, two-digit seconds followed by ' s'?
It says 10 h 36 min
